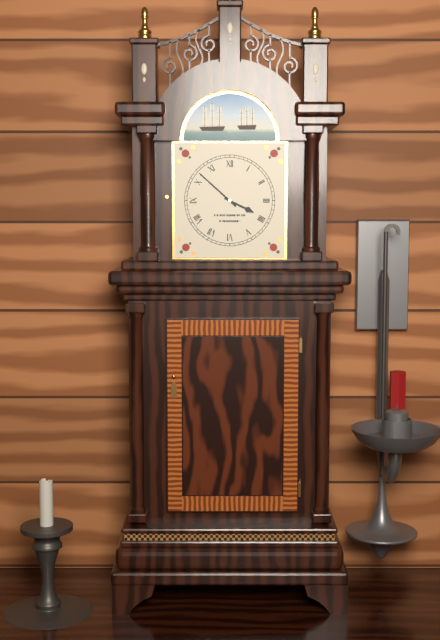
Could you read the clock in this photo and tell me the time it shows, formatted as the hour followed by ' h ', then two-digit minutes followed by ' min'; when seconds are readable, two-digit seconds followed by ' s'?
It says 3 h 52 min
